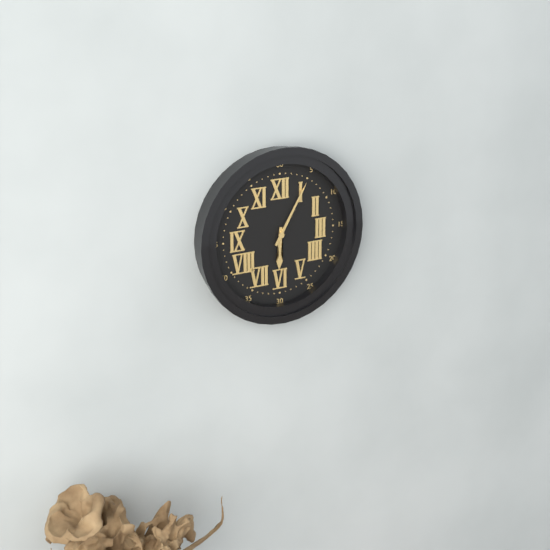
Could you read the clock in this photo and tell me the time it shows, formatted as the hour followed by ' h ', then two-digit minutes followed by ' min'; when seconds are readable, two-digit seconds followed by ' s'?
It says 6 h 05 min
